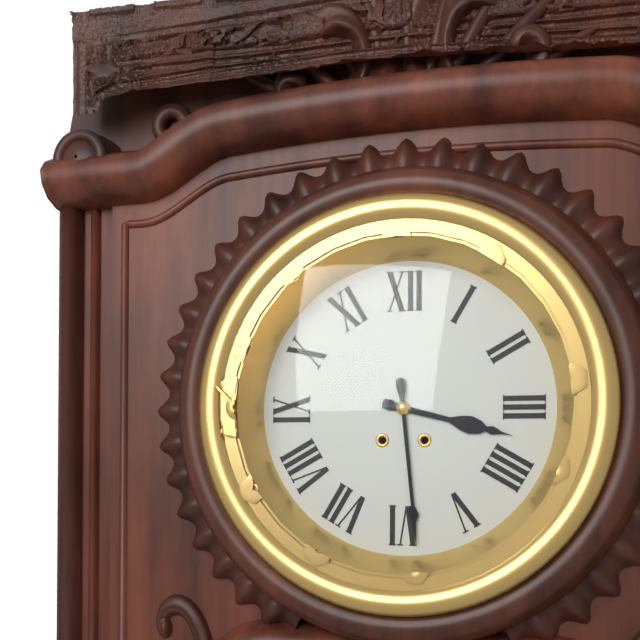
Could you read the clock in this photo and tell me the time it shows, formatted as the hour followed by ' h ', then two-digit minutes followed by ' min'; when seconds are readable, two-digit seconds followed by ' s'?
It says 3 h 29 min
